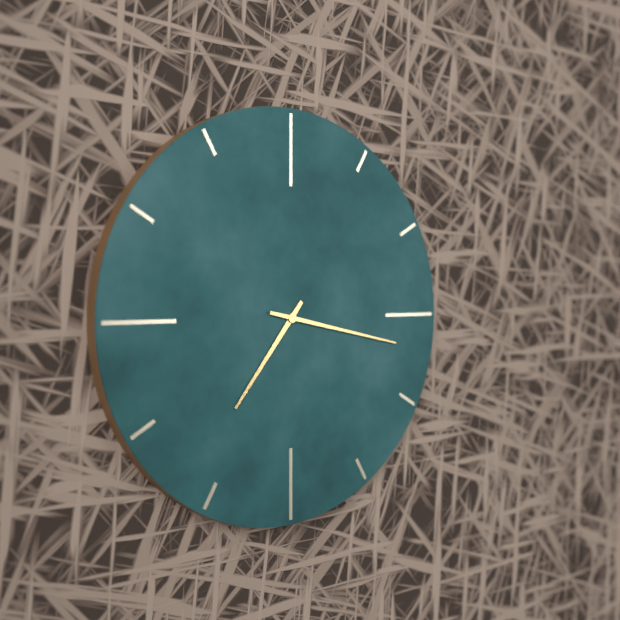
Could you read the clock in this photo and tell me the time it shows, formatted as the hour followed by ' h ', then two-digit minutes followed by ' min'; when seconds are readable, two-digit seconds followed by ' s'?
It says 7 h 17 min
